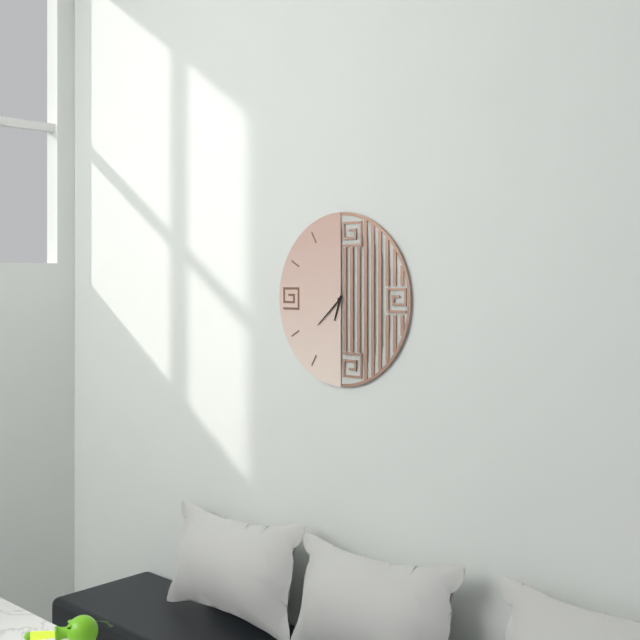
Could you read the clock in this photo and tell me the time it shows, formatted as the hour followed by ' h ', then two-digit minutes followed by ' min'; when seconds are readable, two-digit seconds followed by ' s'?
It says 6 h 38 min
